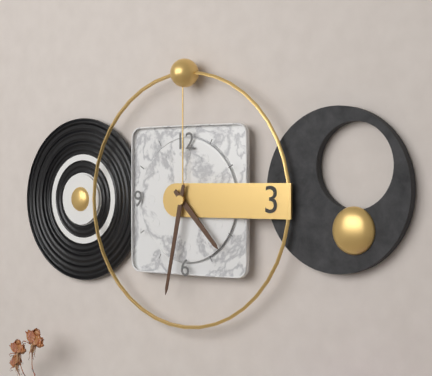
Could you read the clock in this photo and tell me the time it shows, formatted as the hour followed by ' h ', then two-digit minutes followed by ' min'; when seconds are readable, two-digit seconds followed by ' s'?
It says 4 h 32 min
